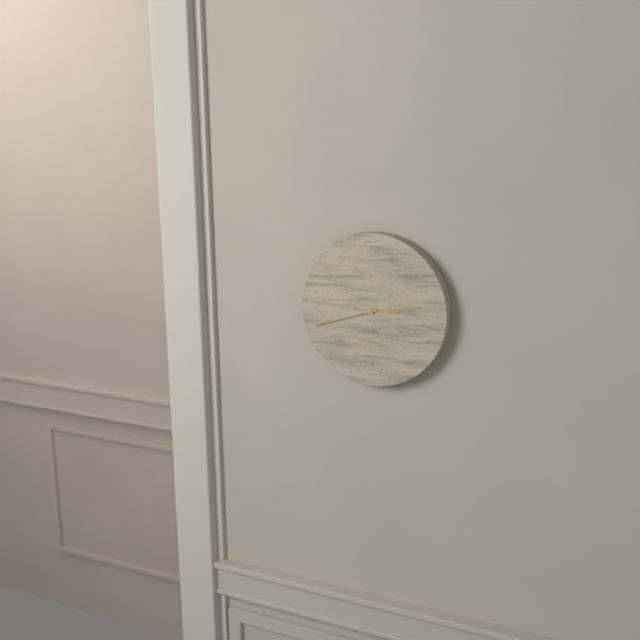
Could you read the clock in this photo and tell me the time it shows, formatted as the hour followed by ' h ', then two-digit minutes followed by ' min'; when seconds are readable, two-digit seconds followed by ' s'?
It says 2 h 42 min
